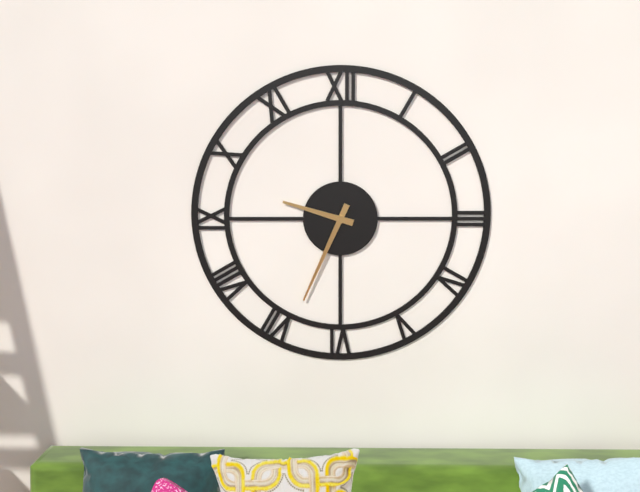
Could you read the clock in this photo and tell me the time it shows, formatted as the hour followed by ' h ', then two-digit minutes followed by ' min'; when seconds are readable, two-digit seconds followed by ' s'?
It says 9 h 34 min
